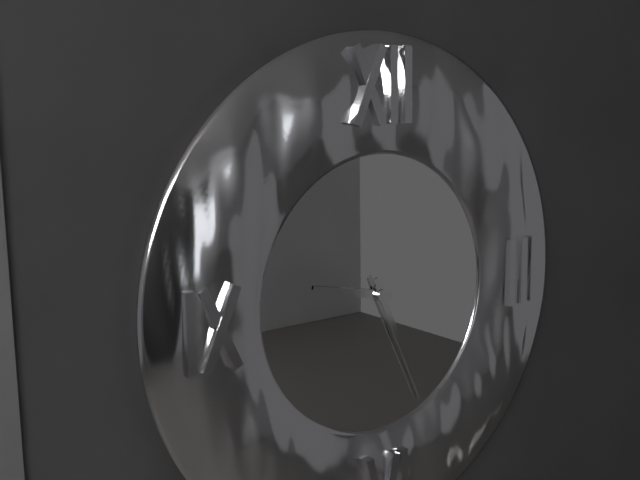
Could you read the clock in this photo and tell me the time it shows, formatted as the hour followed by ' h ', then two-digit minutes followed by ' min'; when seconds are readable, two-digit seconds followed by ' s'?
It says 9 h 26 min
